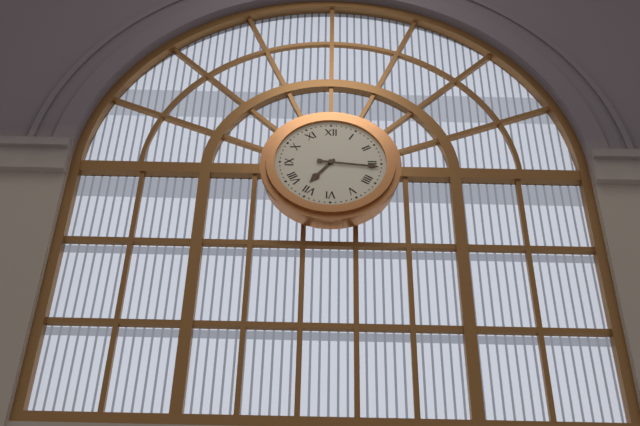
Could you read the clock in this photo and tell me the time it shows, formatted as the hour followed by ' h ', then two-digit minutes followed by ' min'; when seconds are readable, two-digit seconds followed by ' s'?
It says 7 h 16 min
